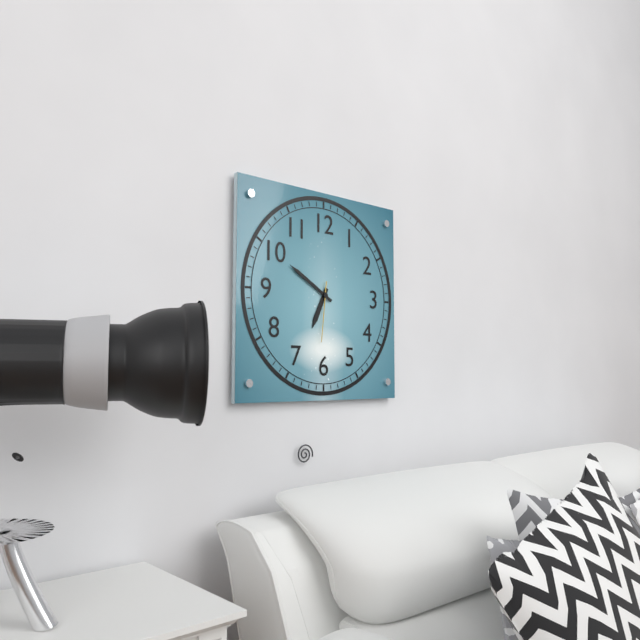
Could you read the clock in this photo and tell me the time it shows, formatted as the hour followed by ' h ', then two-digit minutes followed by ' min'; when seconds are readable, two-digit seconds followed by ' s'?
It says 6 h 50 min 31 s
